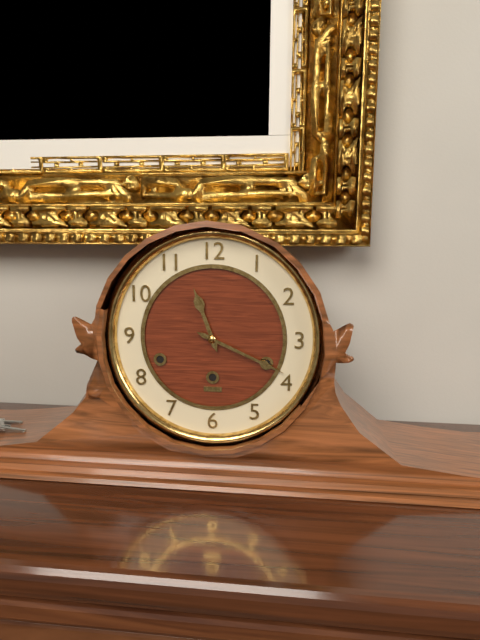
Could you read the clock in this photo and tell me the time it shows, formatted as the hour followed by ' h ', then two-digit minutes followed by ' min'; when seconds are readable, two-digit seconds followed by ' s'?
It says 11 h 19 min
